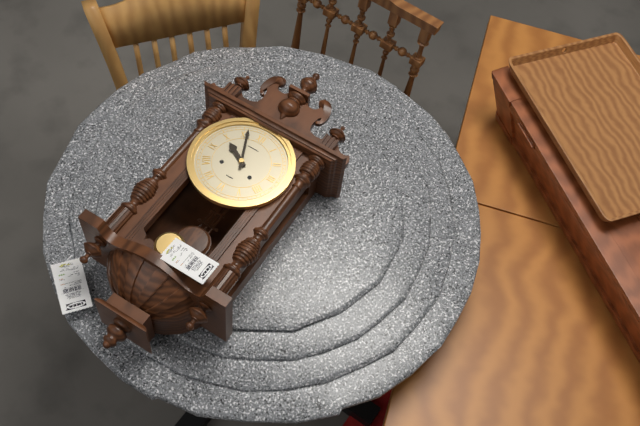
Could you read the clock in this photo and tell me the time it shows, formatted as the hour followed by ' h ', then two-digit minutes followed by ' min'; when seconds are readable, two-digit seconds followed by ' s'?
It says 9 h 56 min
